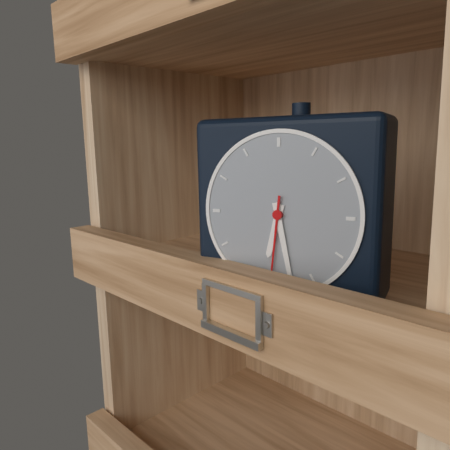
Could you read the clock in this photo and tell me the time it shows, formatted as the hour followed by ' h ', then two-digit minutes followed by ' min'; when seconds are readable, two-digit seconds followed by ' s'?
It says 6 h 28 min 31 s
